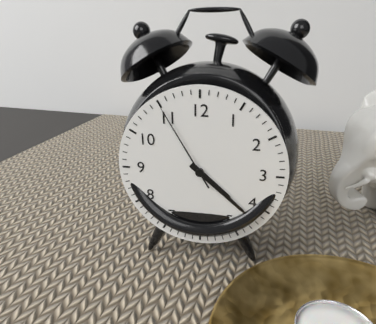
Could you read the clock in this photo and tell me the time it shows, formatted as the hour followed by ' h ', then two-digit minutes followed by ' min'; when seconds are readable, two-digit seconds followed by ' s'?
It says 4 h 22 min 55 s
